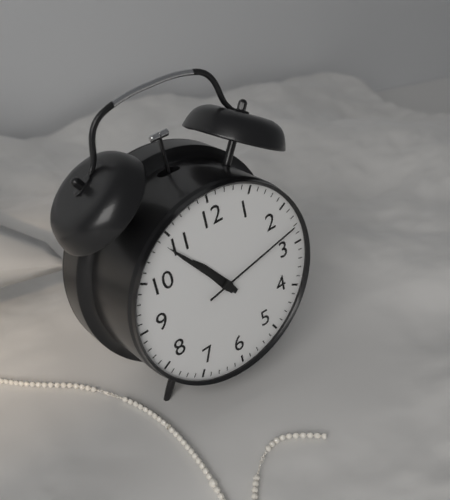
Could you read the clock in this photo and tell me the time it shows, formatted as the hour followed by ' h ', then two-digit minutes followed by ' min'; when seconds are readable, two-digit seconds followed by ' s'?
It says 10 h 54 min 13 s
